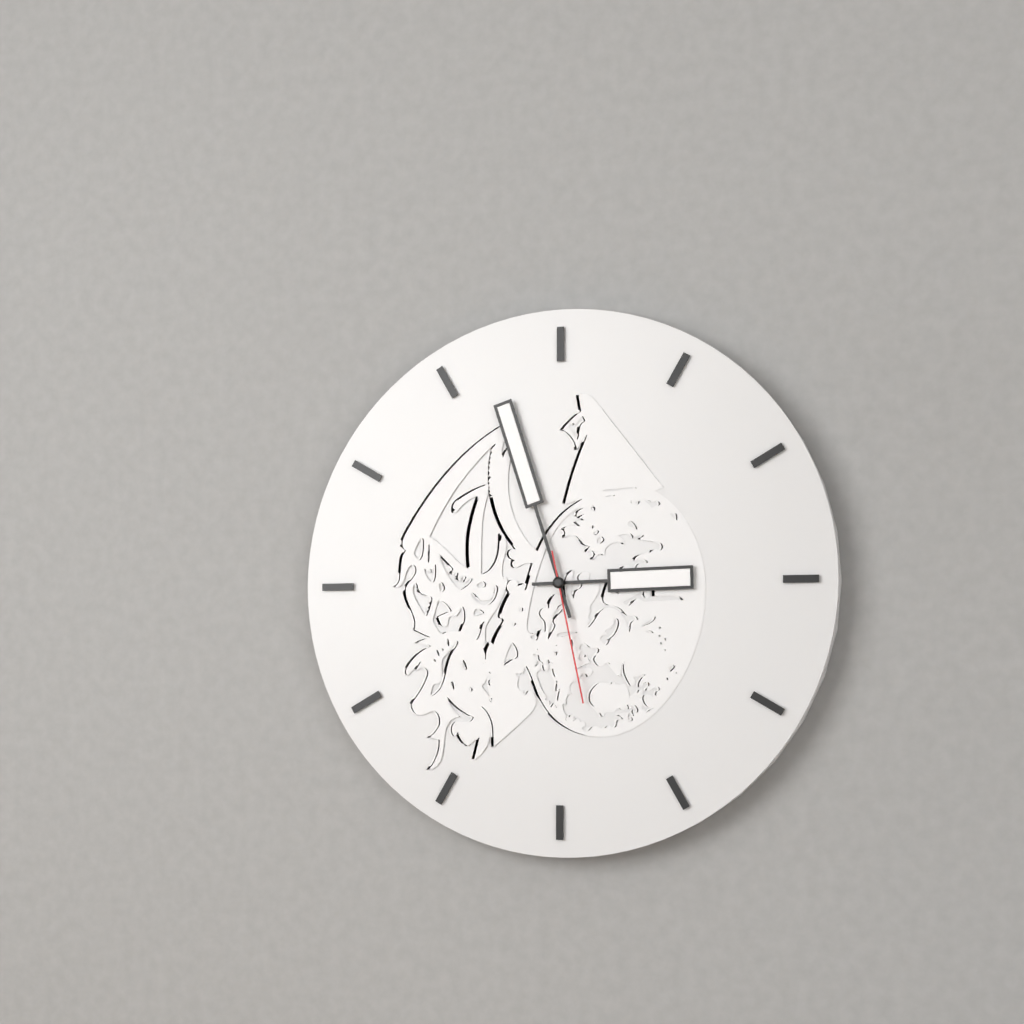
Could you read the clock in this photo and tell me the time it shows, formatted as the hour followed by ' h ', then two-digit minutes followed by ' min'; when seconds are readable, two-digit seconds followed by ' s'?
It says 2 h 57 min 28 s
